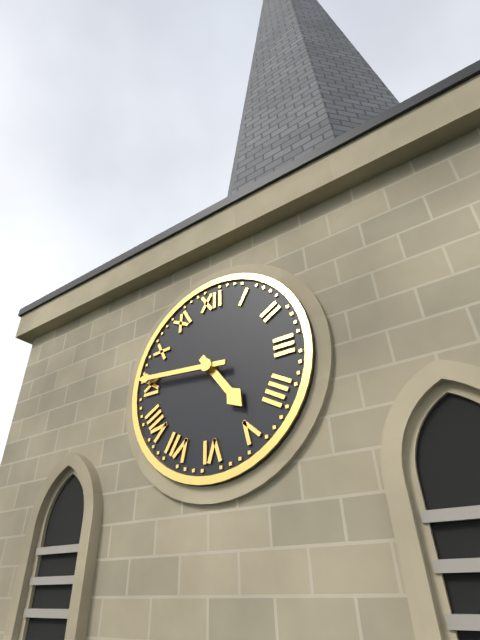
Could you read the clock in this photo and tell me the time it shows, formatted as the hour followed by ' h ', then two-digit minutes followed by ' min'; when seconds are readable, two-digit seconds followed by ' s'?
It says 4 h 46 min
